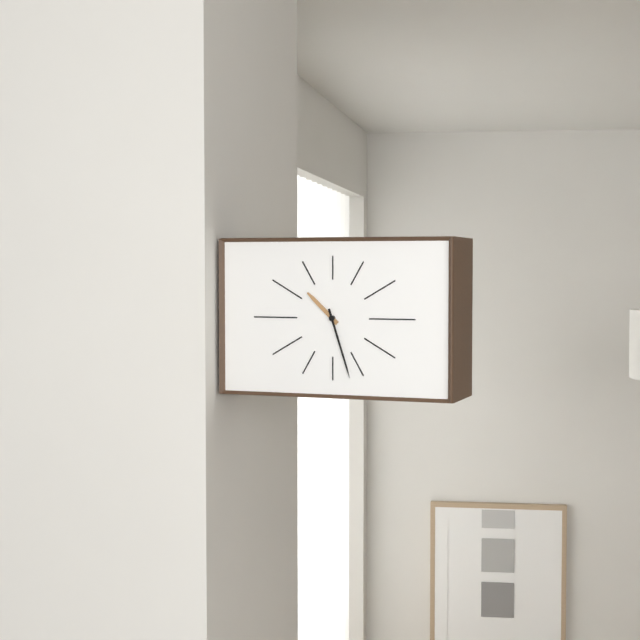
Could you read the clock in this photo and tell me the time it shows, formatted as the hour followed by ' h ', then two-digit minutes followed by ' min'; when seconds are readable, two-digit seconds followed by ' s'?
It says 10 h 27 min
